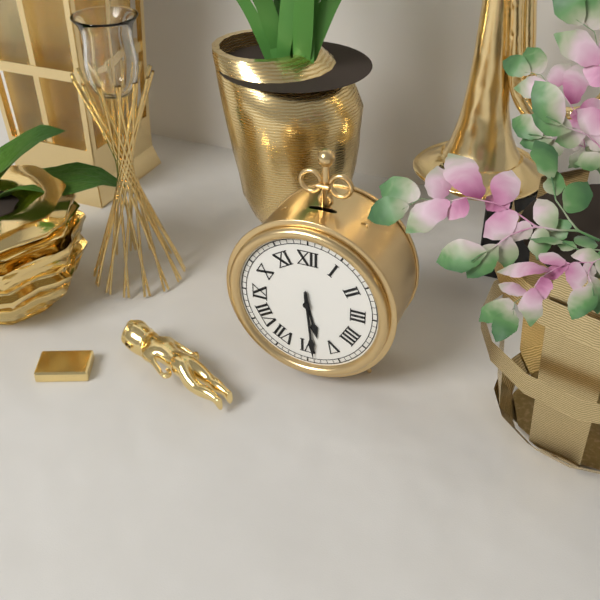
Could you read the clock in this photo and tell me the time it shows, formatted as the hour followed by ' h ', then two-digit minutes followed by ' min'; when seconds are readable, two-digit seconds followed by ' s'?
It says 5 h 29 min
